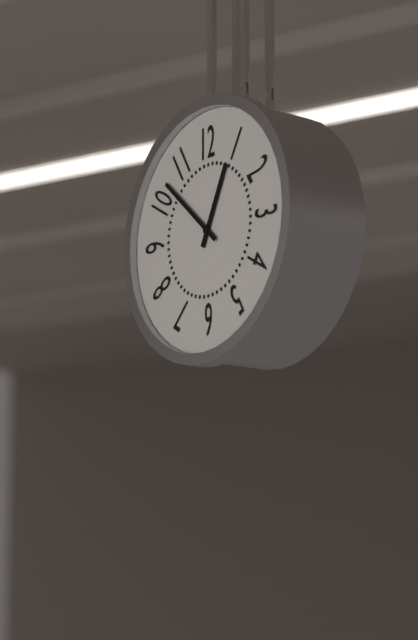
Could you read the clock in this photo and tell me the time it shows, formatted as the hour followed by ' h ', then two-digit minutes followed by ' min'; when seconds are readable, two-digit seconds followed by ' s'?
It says 12 h 52 min
